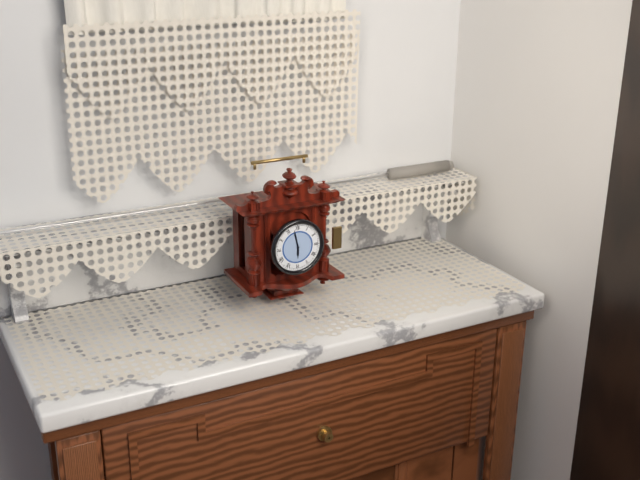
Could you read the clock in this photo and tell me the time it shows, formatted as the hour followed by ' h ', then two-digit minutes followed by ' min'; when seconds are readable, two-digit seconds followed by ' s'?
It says 5 h 58 min
